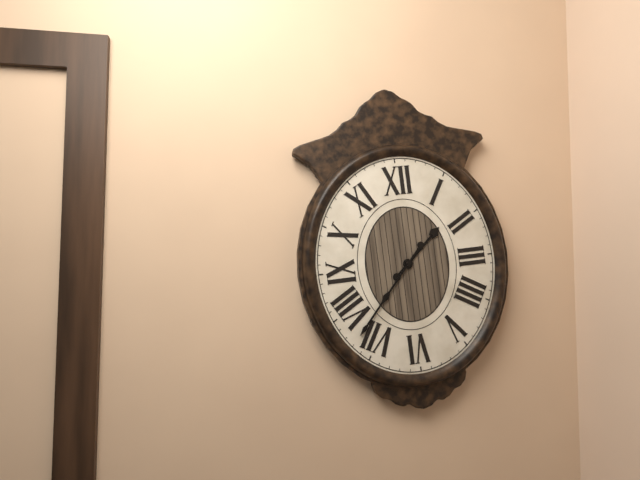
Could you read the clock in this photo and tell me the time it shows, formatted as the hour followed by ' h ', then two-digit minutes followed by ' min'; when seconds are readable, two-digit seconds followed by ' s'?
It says 1 h 37 min
